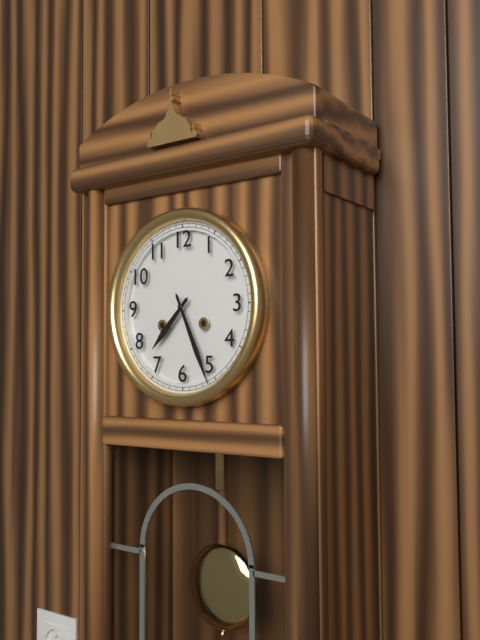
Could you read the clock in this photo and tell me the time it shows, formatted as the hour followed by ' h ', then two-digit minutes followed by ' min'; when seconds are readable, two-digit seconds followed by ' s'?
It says 7 h 26 min
